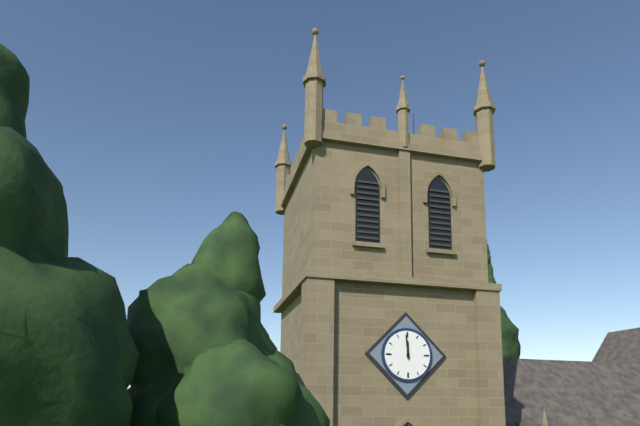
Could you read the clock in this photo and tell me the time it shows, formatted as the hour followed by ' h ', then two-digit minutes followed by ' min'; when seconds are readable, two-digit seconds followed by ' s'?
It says 11 h 59 min
